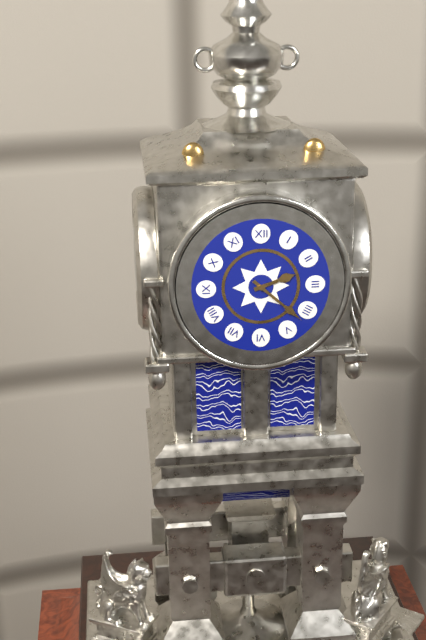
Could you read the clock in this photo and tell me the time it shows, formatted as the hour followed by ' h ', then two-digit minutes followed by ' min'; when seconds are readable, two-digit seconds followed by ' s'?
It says 2 h 22 min
